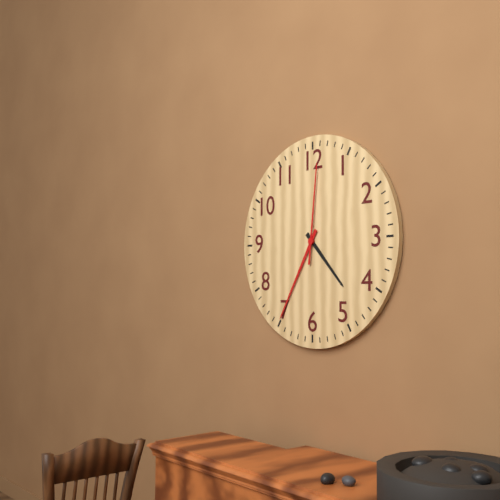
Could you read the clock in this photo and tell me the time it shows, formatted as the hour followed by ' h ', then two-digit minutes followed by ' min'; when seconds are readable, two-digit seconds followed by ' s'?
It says 4 h 35 min 01 s
